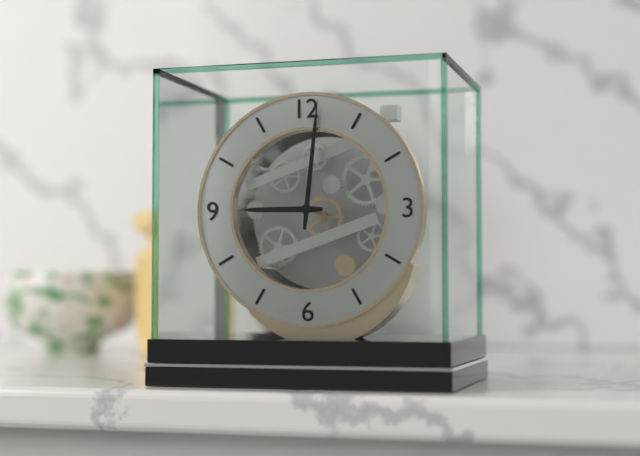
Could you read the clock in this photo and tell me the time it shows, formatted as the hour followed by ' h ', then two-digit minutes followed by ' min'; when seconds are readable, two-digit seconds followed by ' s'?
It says 9 h 01 min
